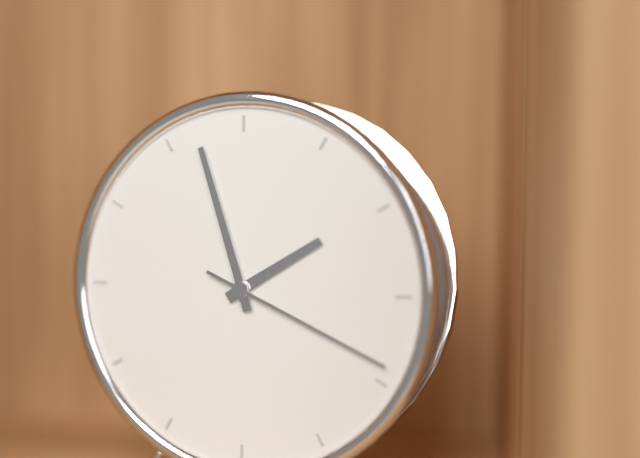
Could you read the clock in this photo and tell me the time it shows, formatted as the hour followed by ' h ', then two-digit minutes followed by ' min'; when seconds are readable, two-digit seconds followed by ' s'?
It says 1 h 57 min 19 s
